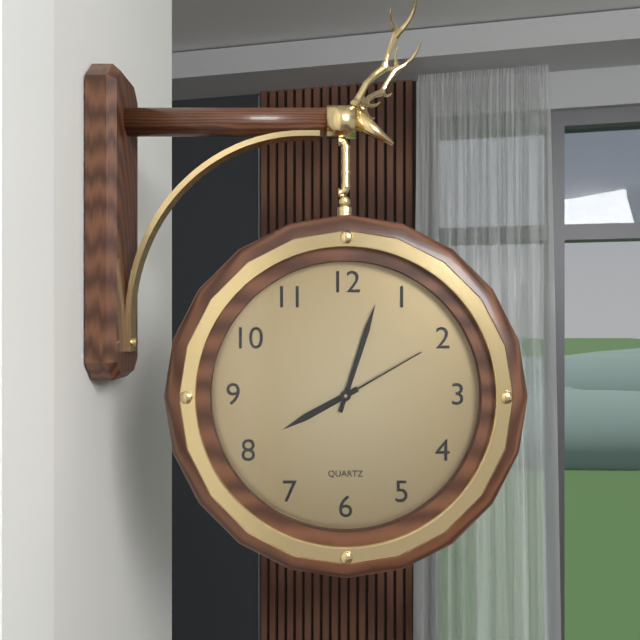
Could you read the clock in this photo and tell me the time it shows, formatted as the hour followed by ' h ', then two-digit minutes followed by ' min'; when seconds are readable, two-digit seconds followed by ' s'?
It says 8 h 03 min 10 s
